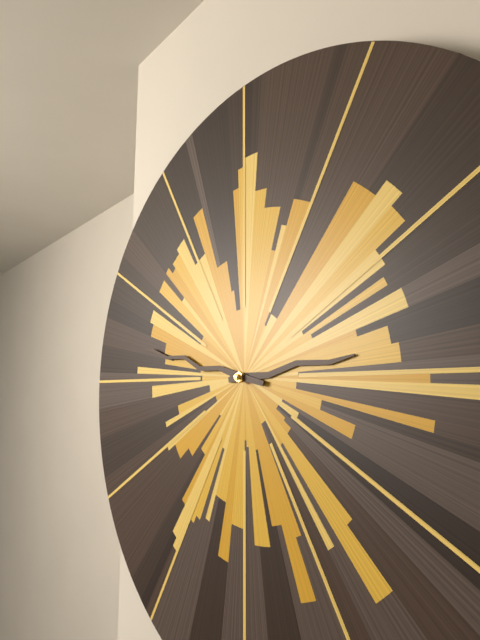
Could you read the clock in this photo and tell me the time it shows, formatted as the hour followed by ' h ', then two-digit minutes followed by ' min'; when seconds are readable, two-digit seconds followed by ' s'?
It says 2 h 47 min
